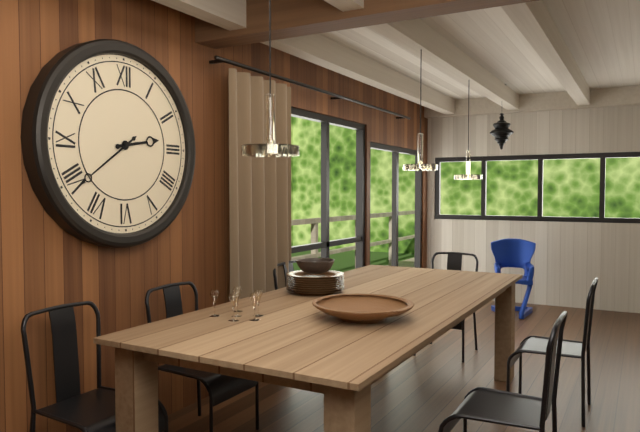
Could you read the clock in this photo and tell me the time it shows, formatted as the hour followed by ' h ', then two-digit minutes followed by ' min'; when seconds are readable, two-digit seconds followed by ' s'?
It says 2 h 39 min
